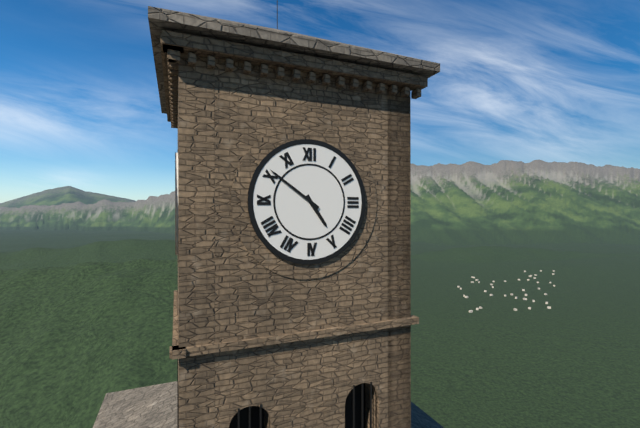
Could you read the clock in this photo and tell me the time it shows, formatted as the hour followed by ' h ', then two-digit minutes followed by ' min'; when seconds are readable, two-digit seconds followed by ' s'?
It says 4 h 51 min
